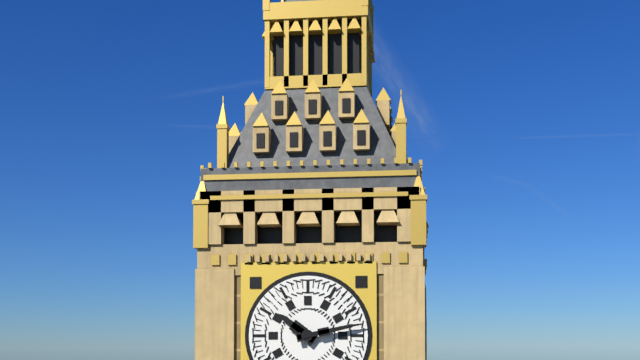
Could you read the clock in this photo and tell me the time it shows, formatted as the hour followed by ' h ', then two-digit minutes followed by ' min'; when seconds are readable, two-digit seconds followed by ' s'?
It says 10 h 13 min
